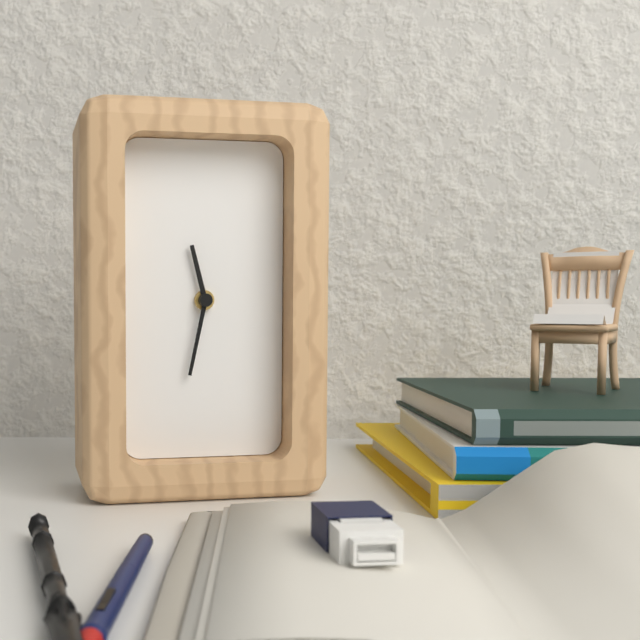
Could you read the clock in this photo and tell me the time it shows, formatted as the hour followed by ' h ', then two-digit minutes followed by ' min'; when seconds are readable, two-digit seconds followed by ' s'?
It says 11 h 32 min
